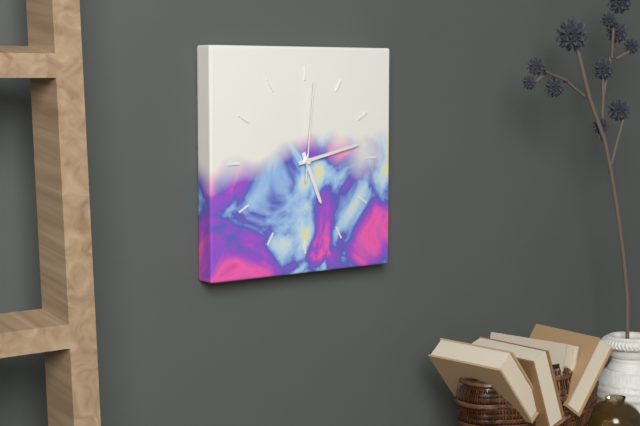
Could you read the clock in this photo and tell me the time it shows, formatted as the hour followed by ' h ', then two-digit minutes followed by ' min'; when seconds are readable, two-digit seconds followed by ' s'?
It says 5 h 13 min 01 s
